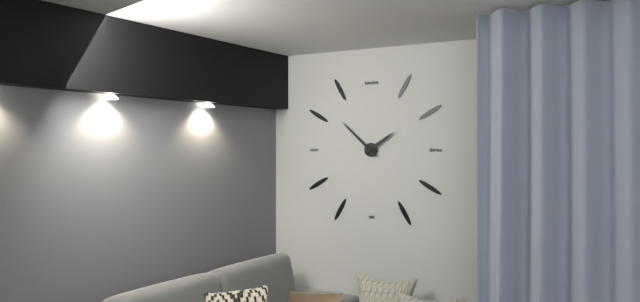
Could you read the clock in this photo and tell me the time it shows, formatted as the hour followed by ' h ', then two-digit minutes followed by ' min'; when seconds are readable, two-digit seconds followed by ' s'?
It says 1 h 52 min
